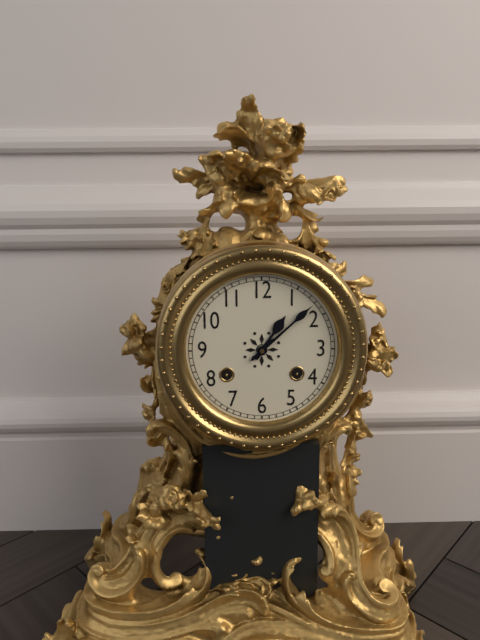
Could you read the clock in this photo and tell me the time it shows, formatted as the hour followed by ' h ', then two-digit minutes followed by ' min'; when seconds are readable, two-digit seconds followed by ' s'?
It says 1 h 08 min
